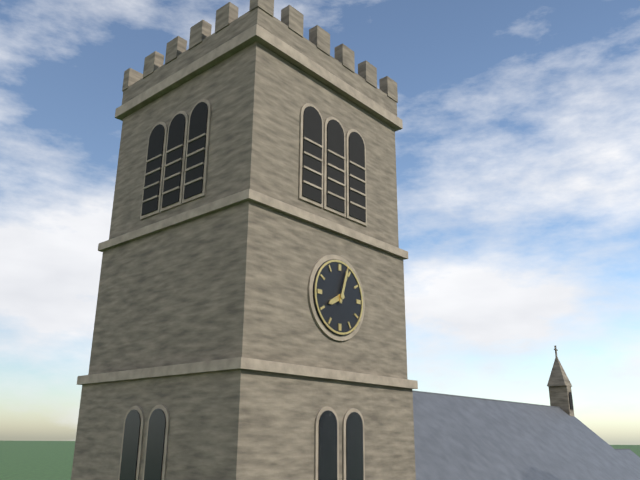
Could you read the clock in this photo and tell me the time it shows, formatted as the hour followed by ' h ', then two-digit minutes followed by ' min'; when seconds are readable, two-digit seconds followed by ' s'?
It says 8 h 03 min
